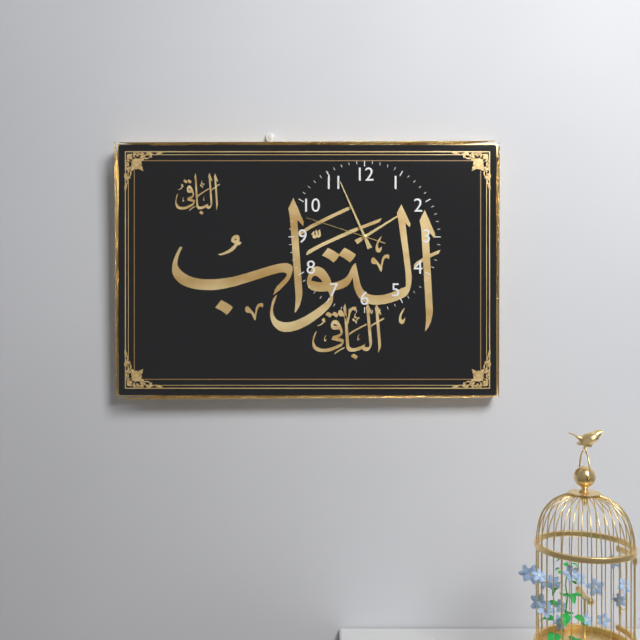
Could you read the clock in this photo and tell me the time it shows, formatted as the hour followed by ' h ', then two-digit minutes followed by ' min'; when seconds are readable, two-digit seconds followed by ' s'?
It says 1 h 56 min 48 s
